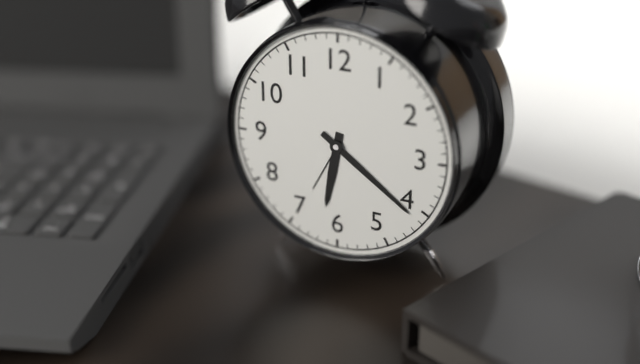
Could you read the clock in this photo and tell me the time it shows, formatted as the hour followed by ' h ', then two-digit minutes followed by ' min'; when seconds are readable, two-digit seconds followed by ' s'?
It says 6 h 21 min
